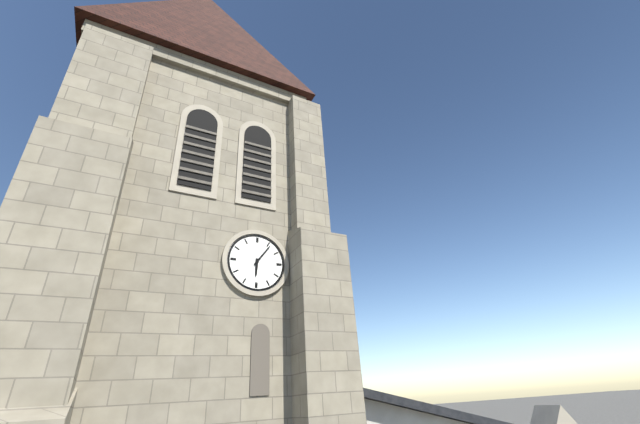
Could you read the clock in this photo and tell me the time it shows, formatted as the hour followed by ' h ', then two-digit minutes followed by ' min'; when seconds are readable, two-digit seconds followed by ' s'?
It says 6 h 06 min
